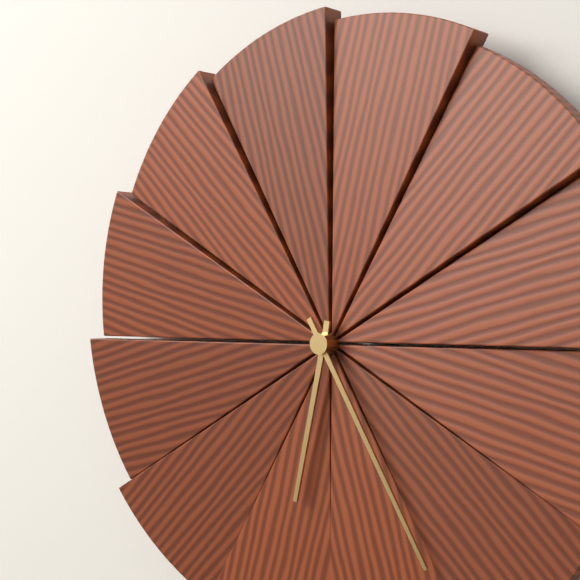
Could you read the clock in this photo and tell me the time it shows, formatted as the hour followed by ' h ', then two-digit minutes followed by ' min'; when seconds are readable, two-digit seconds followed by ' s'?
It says 6 h 25 min
